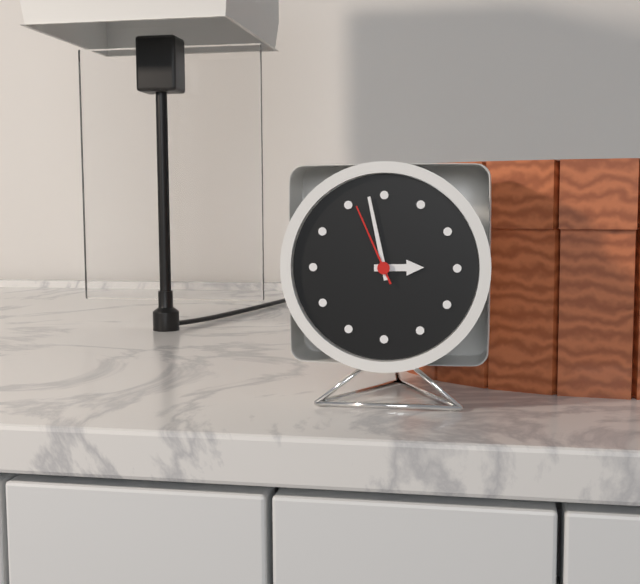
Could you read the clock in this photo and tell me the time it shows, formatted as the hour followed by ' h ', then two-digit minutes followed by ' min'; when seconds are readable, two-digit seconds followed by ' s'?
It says 2 h 58 min 56 s
